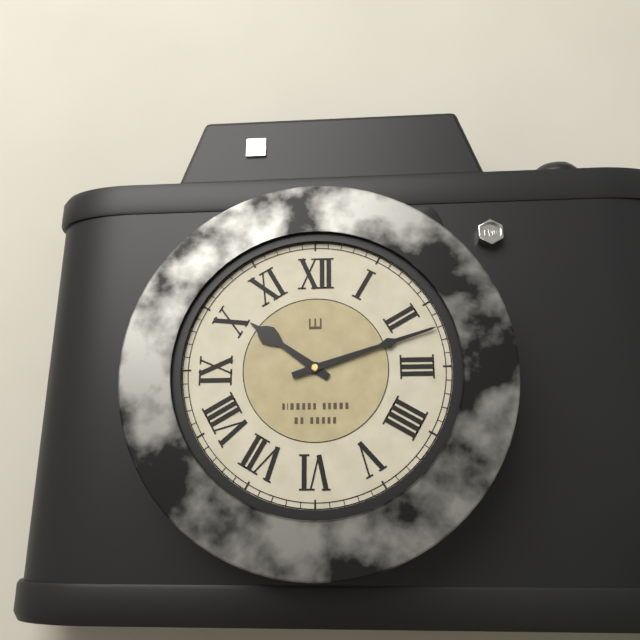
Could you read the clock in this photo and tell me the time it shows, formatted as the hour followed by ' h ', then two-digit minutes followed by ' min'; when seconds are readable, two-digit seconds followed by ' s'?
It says 10 h 12 min
